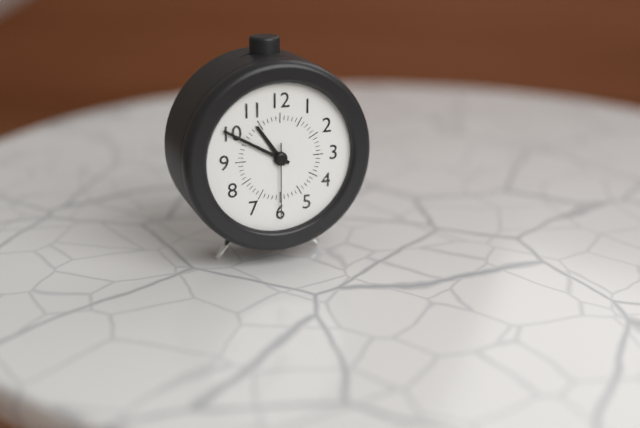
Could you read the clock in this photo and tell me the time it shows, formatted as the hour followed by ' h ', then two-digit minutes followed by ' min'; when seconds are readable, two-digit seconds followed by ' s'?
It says 10 h 50 min 30 s
